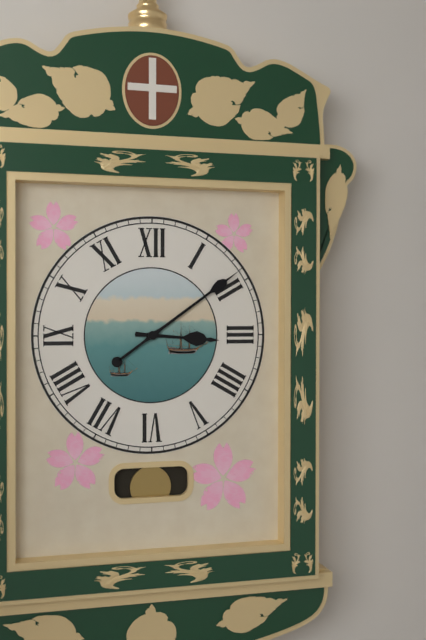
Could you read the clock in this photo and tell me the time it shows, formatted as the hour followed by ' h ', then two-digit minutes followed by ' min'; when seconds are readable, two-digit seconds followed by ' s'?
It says 3 h 09 min
